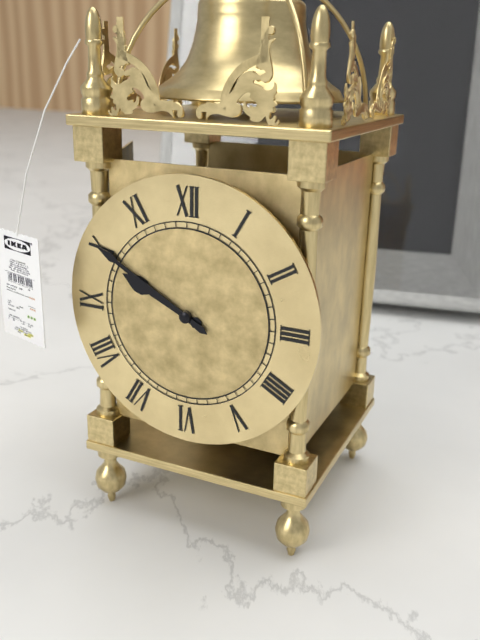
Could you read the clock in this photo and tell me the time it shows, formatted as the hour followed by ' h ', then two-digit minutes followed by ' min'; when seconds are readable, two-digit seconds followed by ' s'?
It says 9 h 50 min
